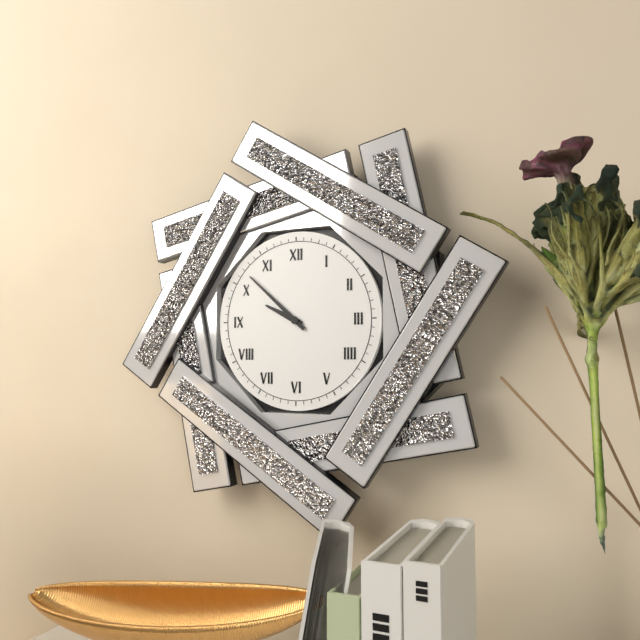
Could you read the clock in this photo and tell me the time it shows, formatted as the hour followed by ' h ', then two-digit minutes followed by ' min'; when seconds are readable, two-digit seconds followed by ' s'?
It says 9 h 52 min
